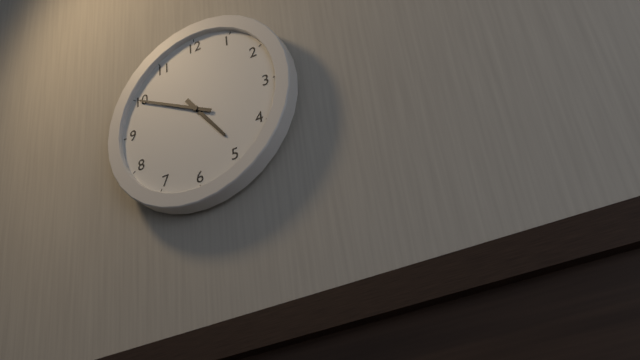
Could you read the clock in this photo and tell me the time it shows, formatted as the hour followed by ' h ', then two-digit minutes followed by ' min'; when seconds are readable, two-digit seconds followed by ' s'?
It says 4 h 50 min
